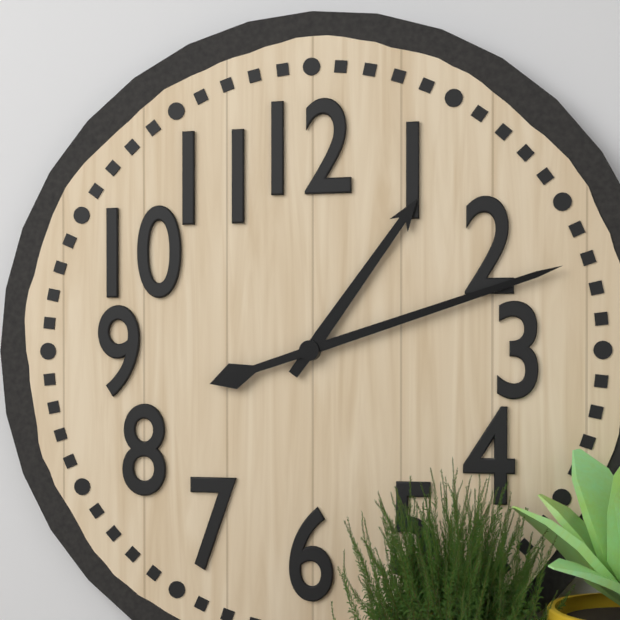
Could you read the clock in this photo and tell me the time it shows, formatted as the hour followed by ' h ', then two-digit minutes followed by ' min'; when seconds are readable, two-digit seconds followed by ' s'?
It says 1 h 12 min
